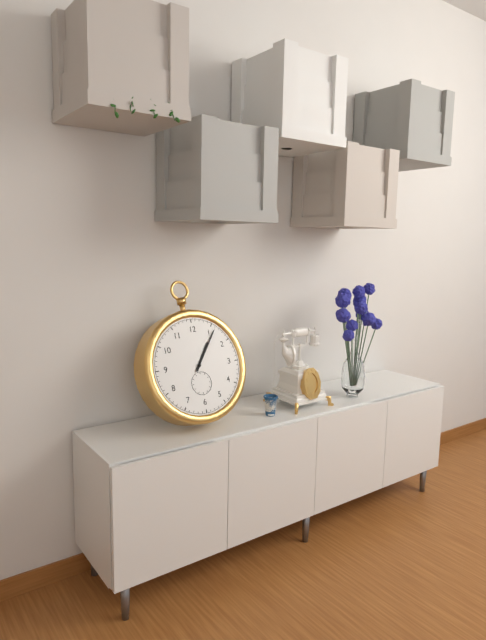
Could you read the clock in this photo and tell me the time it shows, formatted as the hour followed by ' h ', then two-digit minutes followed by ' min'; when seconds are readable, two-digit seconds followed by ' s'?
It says 1 h 06 min
